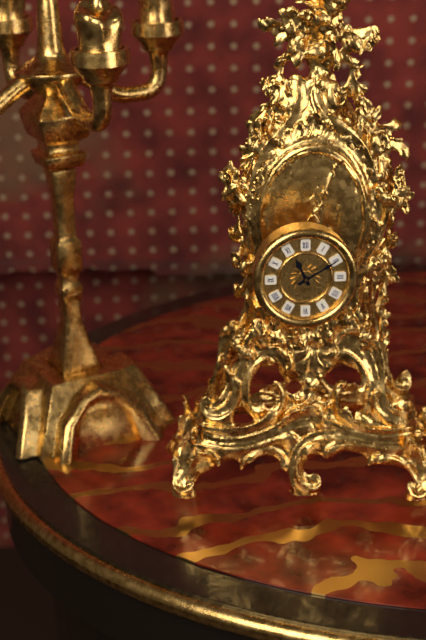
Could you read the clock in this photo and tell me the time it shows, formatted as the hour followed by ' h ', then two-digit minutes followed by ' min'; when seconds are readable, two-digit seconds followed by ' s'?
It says 11 h 10 min
